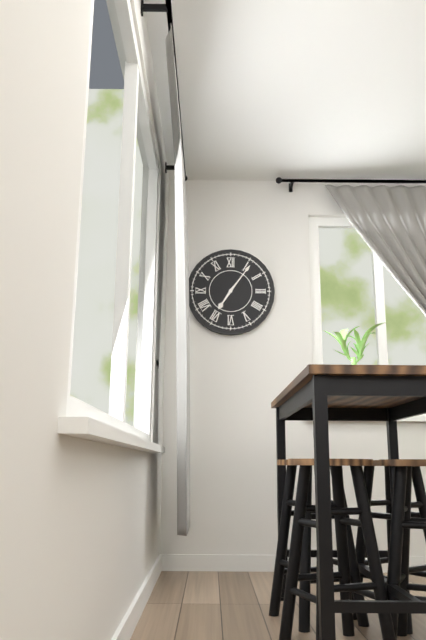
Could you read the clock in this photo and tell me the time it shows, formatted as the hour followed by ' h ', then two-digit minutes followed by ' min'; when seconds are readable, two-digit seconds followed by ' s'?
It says 7 h 06 min
